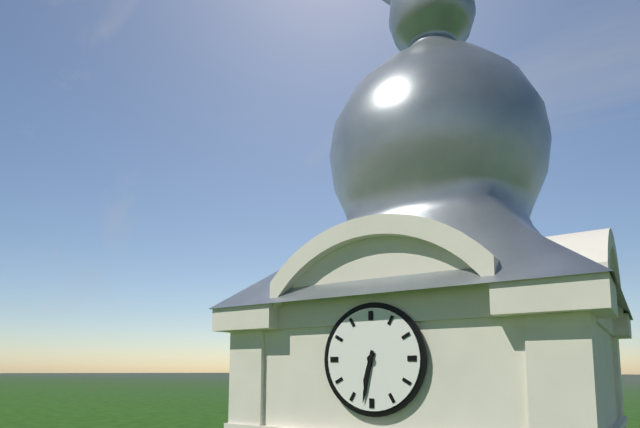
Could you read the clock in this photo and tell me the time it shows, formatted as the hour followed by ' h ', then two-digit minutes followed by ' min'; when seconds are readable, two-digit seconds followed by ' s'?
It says 6 h 32 min
